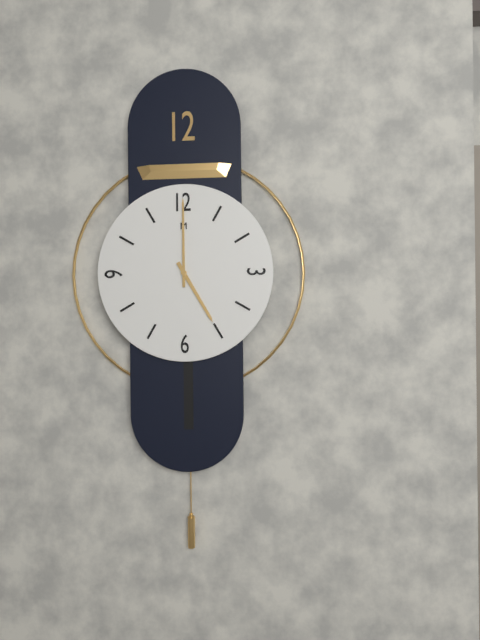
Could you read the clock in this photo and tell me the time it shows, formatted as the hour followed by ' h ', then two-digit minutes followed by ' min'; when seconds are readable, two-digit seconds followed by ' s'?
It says 5 h 00 min
